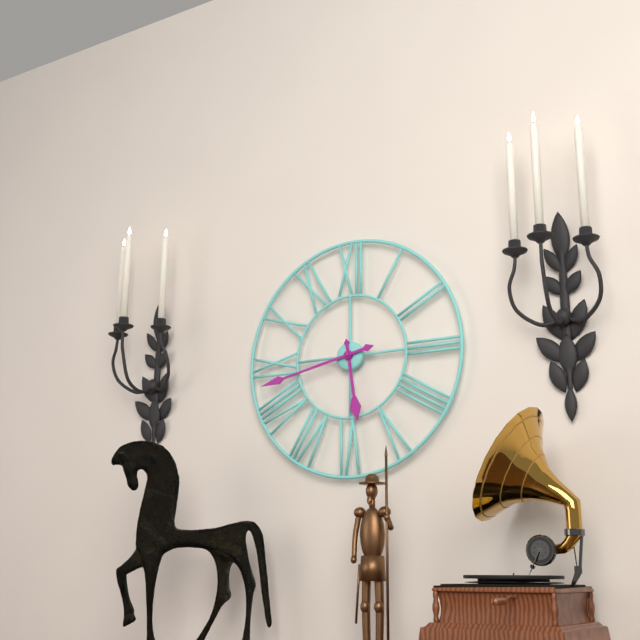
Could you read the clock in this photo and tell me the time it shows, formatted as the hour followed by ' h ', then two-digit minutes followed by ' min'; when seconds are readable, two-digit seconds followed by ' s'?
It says 5 h 43 min
